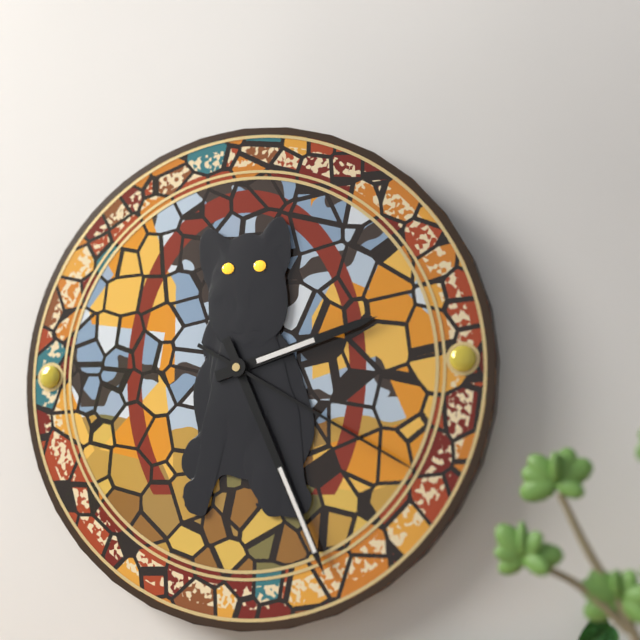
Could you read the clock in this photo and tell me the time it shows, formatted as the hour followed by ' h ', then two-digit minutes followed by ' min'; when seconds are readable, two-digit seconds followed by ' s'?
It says 2 h 26 min 20 s
